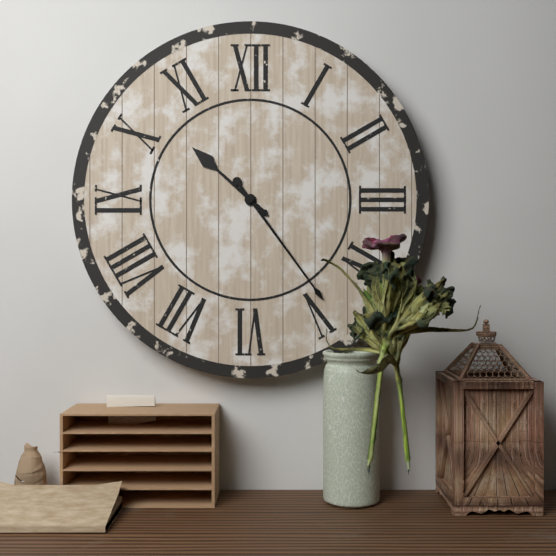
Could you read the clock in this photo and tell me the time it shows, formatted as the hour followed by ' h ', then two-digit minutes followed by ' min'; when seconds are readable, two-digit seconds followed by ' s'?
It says 10 h 24 min
